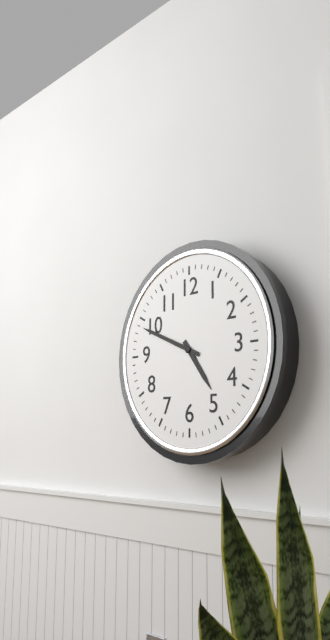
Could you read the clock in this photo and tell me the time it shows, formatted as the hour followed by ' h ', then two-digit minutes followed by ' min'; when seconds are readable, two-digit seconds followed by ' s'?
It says 4 h 49 min
